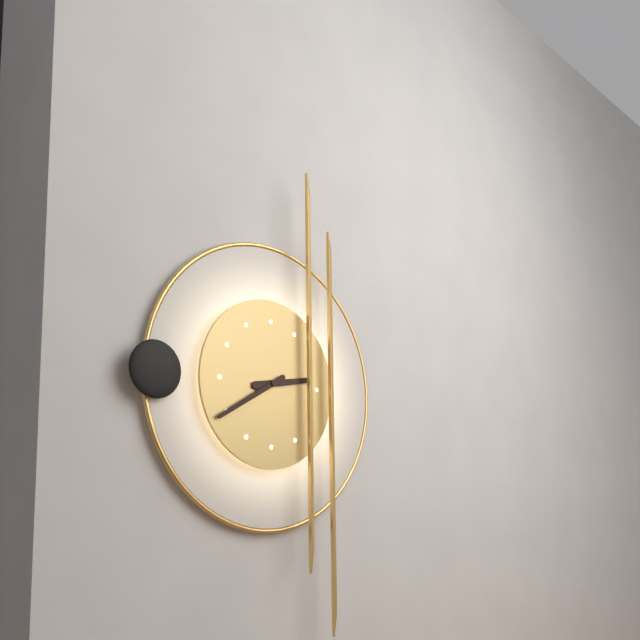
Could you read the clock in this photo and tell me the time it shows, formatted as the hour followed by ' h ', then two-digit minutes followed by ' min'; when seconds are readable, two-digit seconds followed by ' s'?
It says 2 h 40 min
